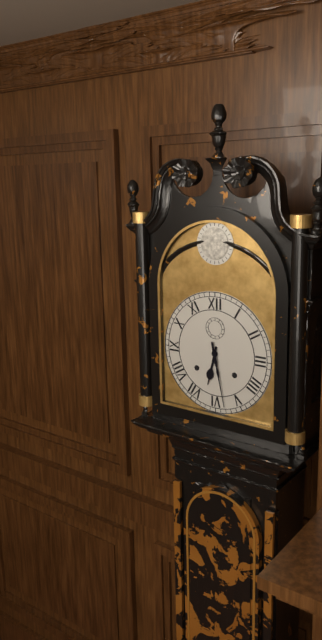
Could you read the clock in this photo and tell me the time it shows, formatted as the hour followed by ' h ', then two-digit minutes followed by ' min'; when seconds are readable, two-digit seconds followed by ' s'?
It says 6 h 28 min
